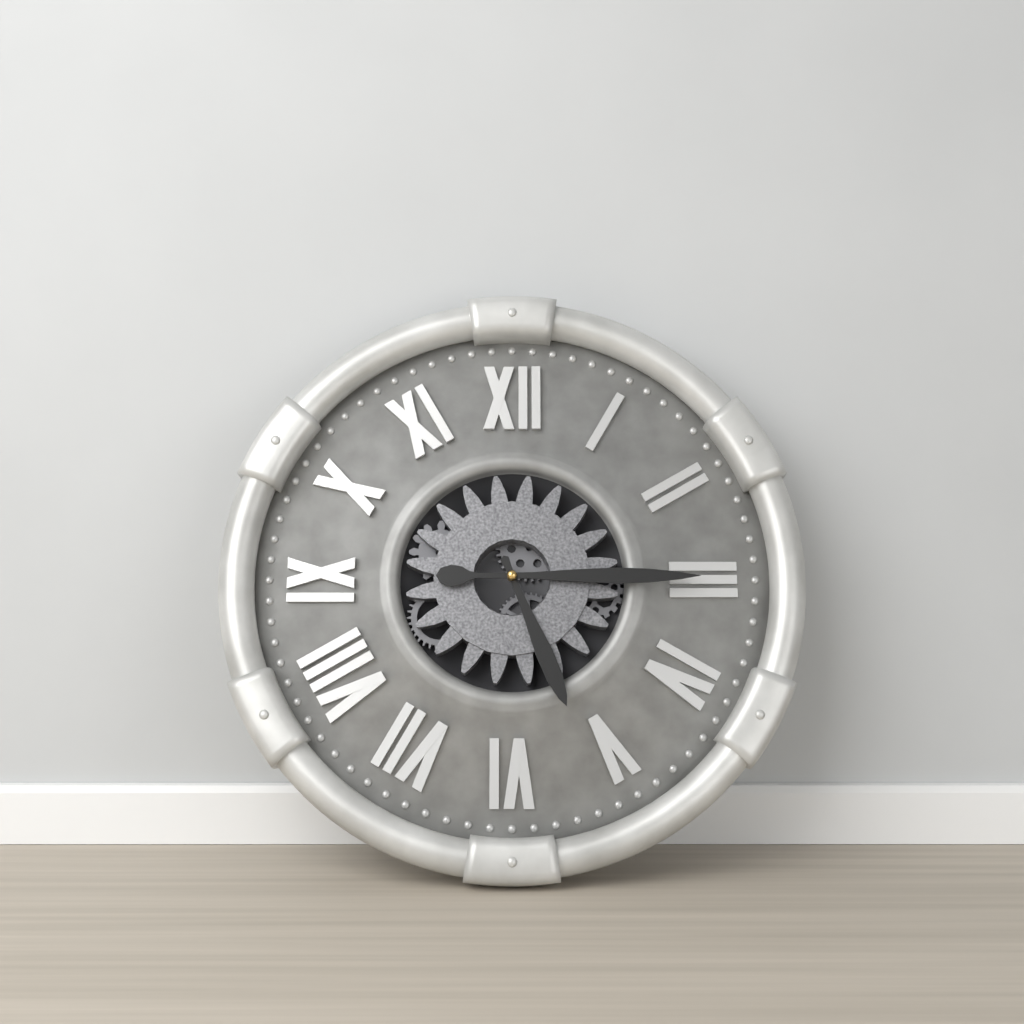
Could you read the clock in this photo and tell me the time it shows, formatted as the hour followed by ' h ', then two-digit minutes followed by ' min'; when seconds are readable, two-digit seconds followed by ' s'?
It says 5 h 15 min
